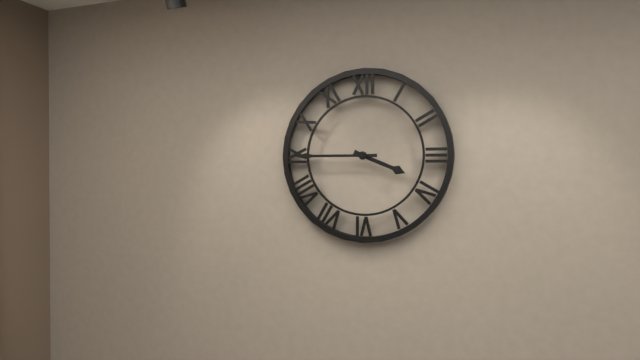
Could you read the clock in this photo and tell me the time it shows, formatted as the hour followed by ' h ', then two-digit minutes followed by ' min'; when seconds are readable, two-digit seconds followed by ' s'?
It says 3 h 45 min
